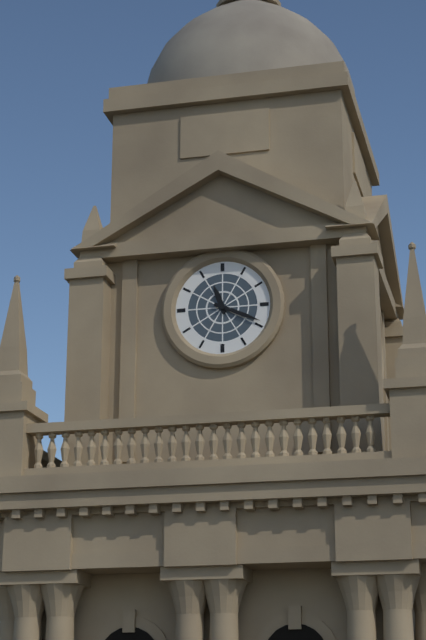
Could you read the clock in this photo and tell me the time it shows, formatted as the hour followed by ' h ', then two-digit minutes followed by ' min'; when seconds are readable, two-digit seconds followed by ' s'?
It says 11 h 19 min
